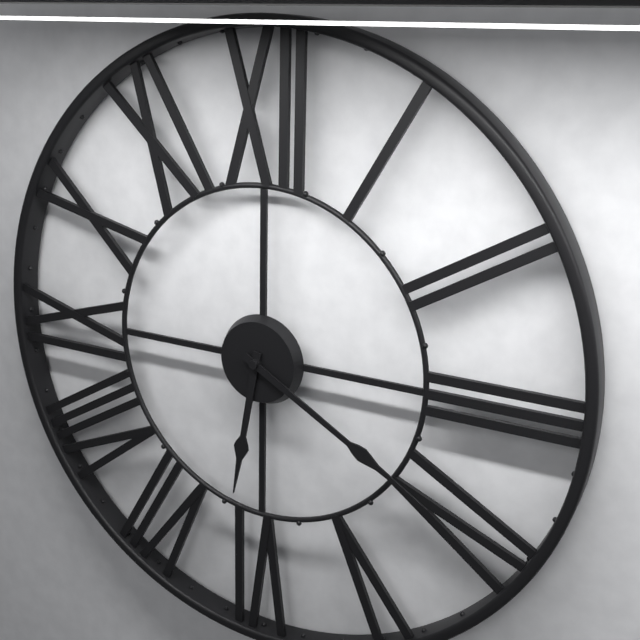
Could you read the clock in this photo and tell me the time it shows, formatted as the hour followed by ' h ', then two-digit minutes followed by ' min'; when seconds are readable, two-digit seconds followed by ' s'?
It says 6 h 20 min
